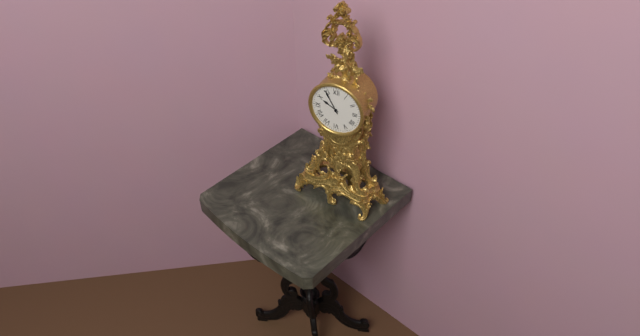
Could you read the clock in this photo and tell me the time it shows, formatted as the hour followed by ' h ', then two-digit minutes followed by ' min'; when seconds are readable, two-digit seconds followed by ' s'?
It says 9 h 55 min
